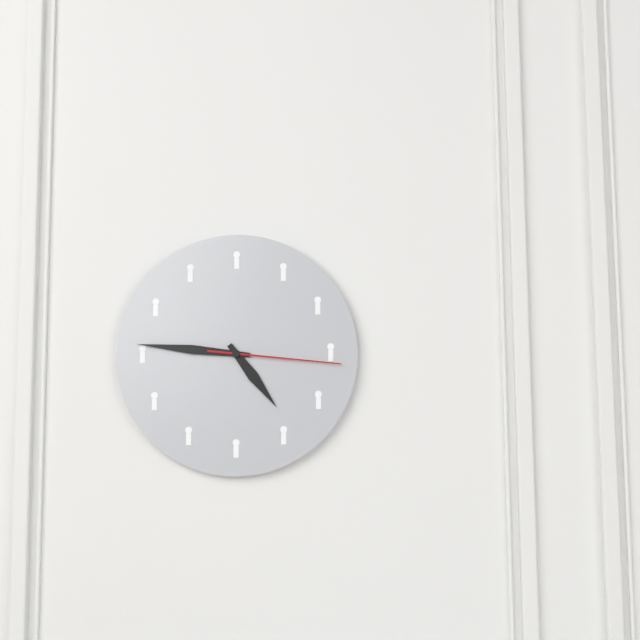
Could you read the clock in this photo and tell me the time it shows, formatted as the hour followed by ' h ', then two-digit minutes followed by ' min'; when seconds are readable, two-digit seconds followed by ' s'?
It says 4 h 46 min 16 s
